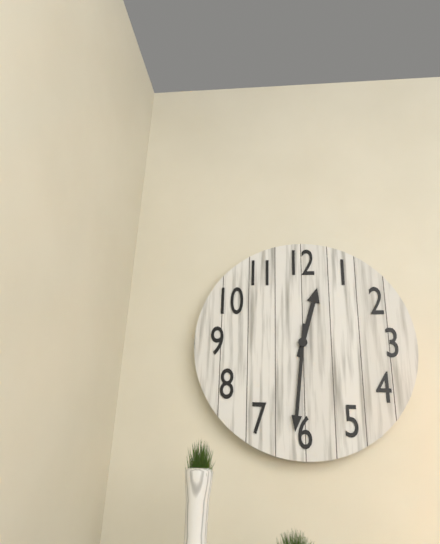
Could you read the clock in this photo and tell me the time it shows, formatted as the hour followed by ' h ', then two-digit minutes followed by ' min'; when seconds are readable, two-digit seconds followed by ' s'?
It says 12 h 31 min
